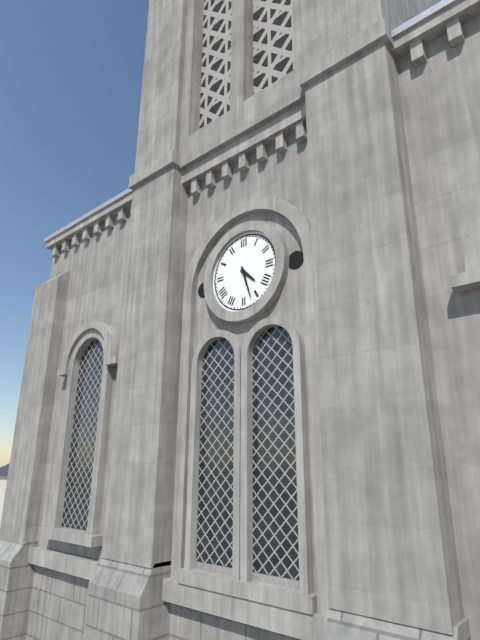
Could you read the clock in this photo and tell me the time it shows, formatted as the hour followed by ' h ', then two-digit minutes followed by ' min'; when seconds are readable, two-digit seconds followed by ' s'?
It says 4 h 27 min
